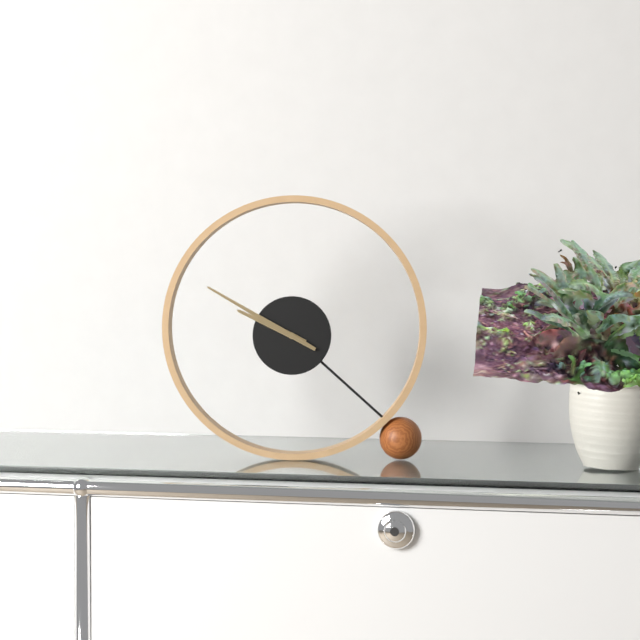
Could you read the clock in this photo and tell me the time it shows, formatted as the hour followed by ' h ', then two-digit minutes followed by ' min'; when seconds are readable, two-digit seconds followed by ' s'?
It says 9 h 50 min
